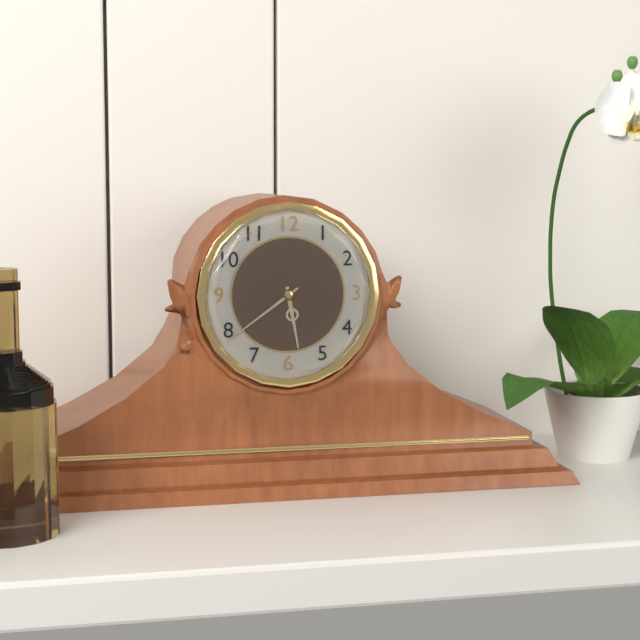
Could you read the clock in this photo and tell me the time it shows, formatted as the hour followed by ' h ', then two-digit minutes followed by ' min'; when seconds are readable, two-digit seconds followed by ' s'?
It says 5 h 39 min
